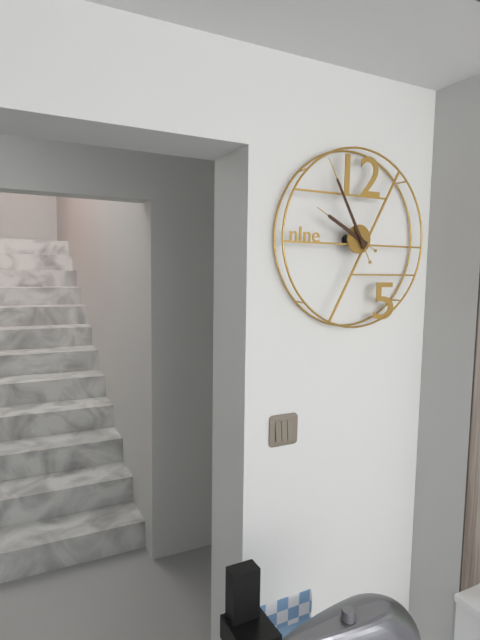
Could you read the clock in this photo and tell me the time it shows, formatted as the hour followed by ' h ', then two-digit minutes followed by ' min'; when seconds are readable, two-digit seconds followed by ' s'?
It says 9 h 55 min
